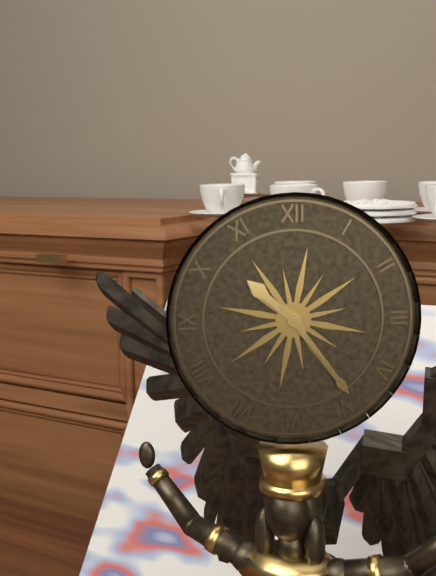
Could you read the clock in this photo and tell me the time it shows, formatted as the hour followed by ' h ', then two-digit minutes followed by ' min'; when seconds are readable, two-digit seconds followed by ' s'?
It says 10 h 24 min
